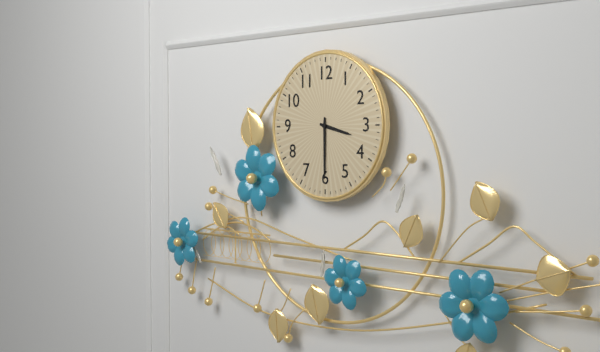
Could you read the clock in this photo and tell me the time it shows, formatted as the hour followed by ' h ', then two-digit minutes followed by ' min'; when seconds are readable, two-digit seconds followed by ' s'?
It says 3 h 30 min
